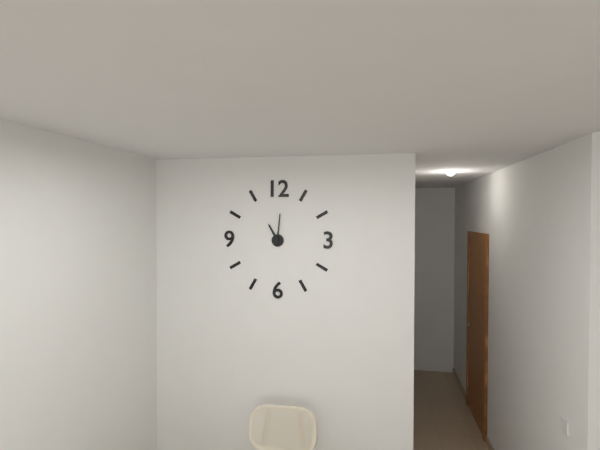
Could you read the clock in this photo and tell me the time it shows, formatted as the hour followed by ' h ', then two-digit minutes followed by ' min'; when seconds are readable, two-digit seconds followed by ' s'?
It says 11 h 01 min
